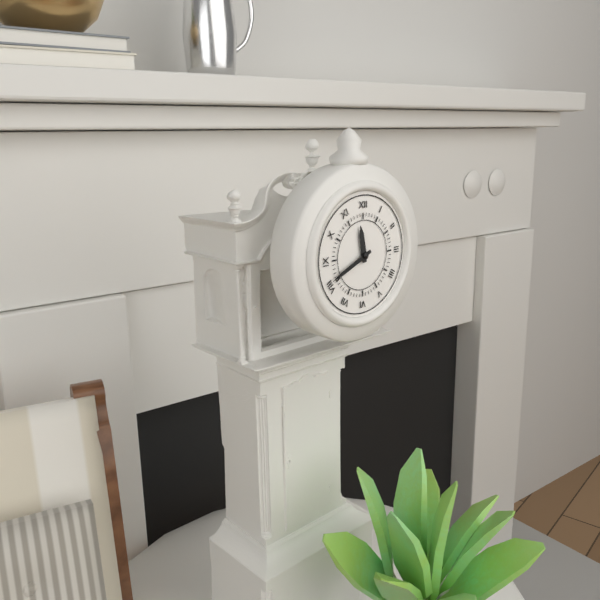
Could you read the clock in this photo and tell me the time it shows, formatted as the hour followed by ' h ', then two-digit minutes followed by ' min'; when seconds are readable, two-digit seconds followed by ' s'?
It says 11 h 41 min
